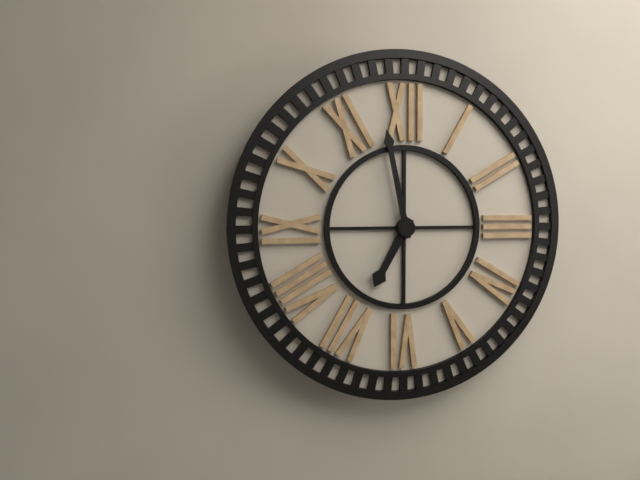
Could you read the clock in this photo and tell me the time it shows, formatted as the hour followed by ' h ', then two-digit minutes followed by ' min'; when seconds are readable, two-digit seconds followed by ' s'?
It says 6 h 58 min
